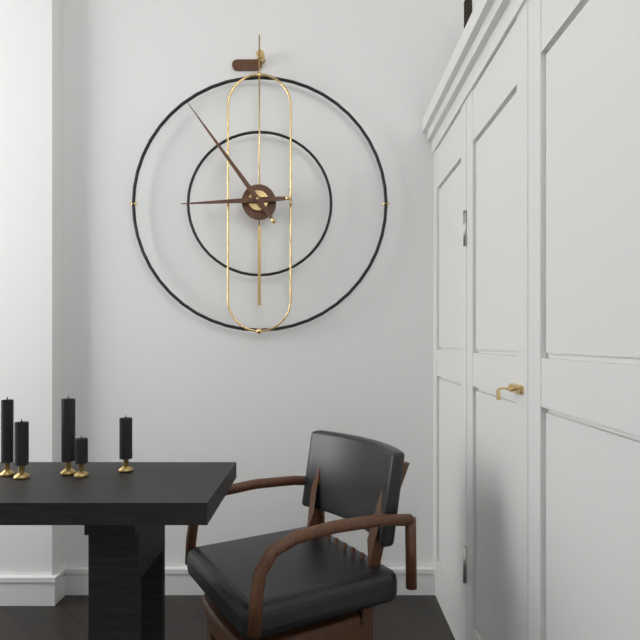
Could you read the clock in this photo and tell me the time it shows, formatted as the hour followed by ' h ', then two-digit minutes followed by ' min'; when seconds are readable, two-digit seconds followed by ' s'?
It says 8 h 54 min
